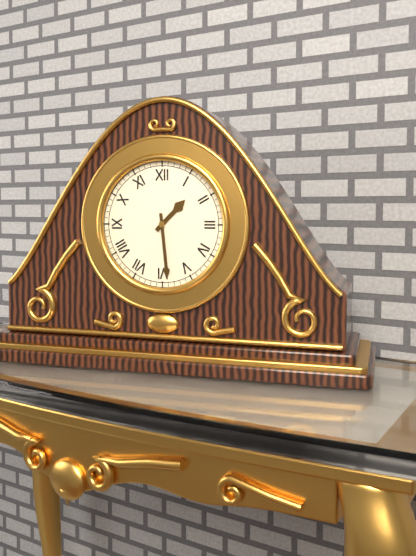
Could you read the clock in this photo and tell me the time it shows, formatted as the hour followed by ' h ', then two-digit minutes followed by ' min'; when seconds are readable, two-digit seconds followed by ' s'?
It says 1 h 29 min
